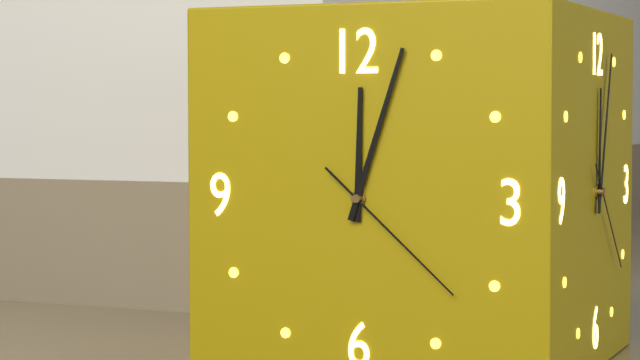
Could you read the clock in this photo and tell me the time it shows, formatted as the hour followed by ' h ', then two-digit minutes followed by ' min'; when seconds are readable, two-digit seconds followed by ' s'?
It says 12 h 03 min 22 s
